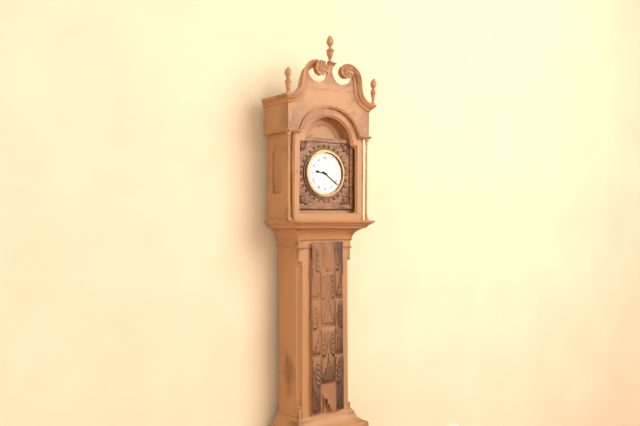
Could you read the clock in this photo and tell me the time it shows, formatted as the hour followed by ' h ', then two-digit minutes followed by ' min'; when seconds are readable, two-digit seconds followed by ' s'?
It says 9 h 21 min
